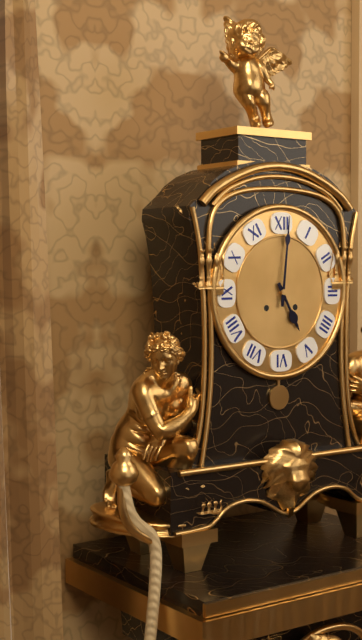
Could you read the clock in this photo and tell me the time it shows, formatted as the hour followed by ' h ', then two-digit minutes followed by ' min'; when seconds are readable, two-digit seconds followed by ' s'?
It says 5 h 01 min
